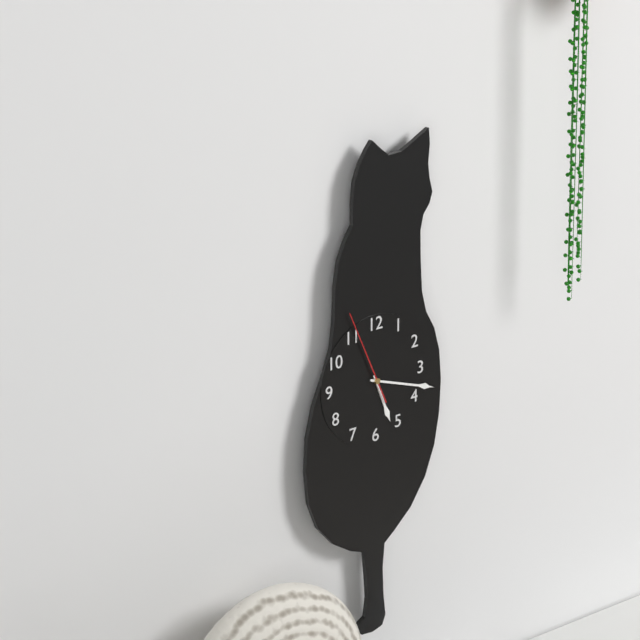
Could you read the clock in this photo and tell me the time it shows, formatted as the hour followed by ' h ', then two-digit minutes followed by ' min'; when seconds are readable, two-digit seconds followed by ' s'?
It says 5 h 18 min 56 s
